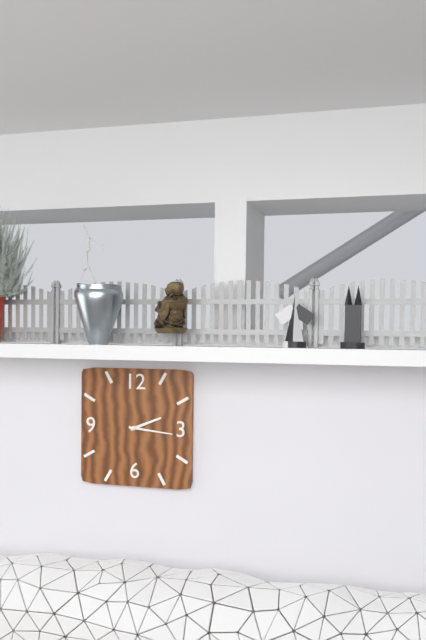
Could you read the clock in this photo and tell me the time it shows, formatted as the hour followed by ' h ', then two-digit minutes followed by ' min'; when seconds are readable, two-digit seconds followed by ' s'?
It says 2 h 16 min
